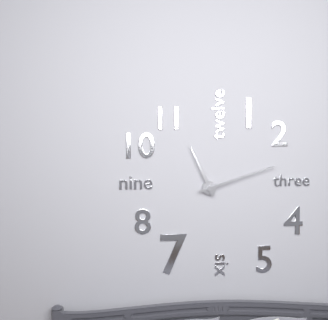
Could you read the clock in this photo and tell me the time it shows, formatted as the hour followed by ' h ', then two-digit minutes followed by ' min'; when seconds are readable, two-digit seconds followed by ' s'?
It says 11 h 12 min
